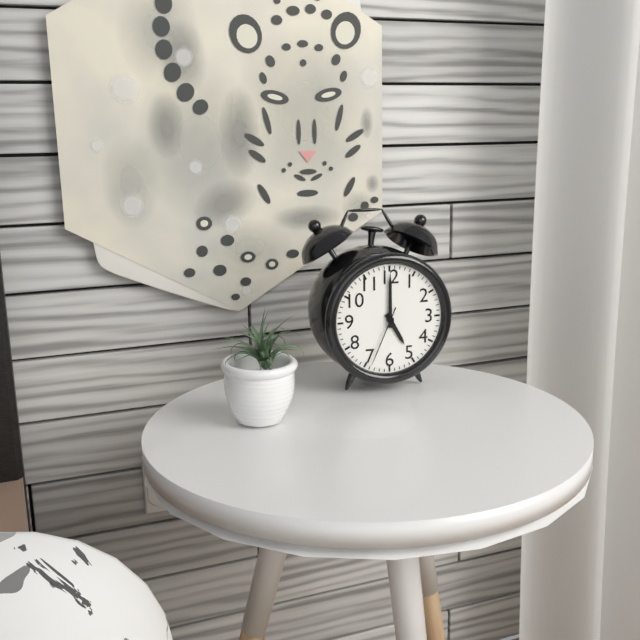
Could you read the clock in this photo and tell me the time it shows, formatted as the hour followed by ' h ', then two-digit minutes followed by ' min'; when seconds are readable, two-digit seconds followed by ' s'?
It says 5 h 00 min 34 s
